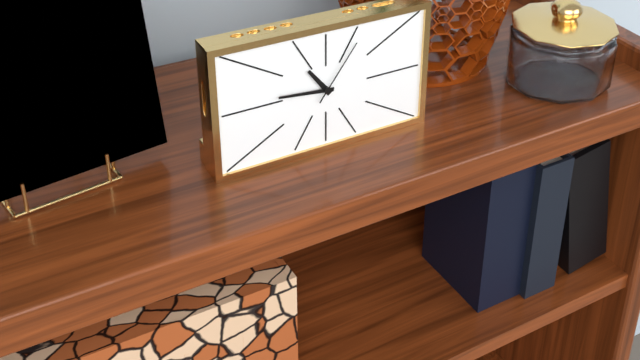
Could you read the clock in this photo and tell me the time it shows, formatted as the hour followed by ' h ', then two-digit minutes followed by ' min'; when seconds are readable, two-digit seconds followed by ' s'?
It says 10 h 46 min 06 s
